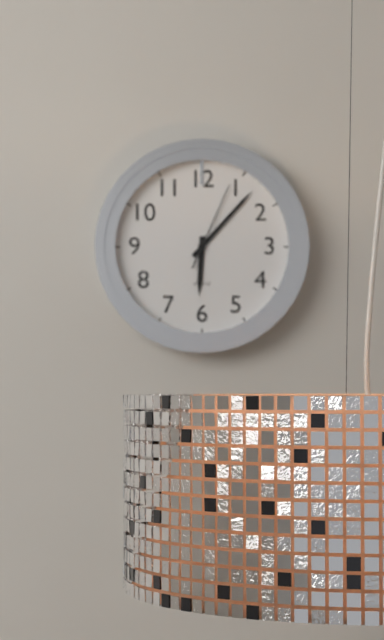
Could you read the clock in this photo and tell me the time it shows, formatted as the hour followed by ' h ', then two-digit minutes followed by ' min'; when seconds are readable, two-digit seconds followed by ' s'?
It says 6 h 07 min 04 s
